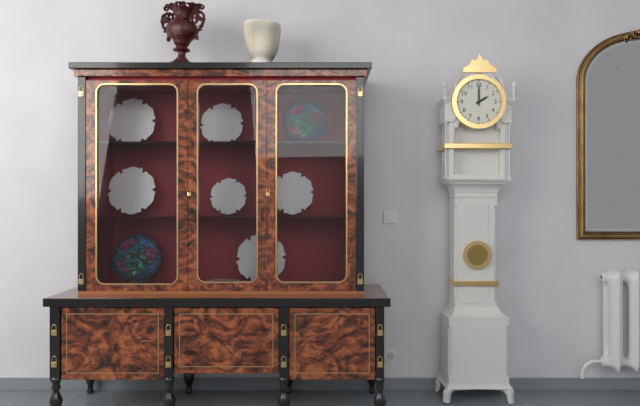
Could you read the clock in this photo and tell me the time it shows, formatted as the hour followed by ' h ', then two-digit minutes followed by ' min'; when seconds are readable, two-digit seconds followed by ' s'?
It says 2 h 00 min
